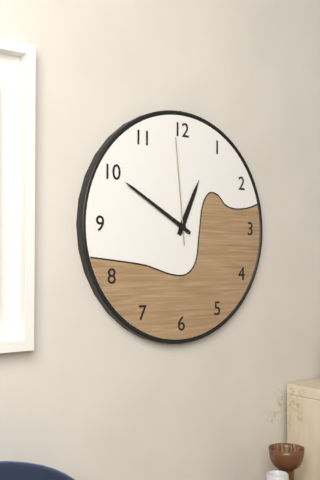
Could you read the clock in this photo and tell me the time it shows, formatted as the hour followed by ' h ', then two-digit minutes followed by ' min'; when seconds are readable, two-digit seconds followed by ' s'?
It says 12 h 50 min 59 s
